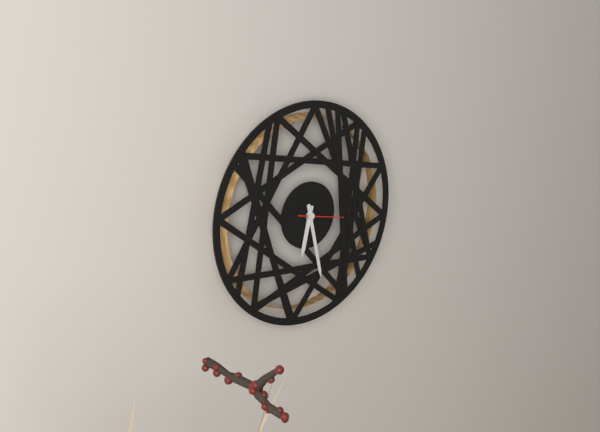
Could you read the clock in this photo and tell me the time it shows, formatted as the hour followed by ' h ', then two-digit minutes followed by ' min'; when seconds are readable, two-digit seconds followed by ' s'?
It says 6 h 28 min
